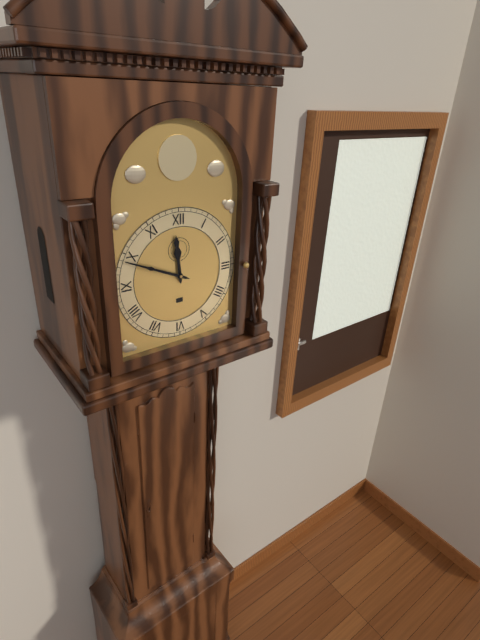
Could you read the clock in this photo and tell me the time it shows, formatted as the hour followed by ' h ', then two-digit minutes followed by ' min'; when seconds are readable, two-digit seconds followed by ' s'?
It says 11 h 49 min
